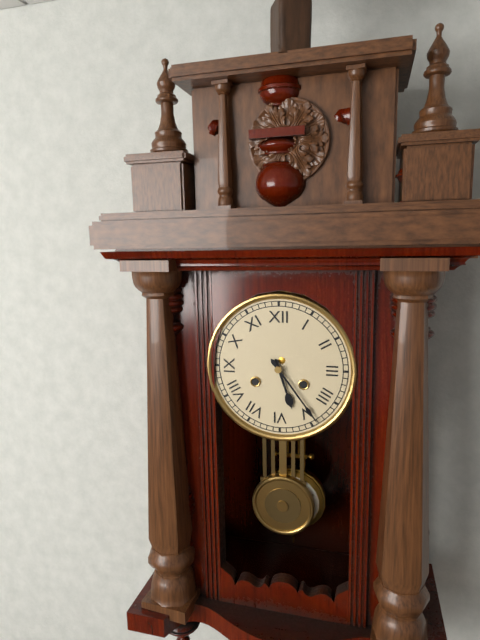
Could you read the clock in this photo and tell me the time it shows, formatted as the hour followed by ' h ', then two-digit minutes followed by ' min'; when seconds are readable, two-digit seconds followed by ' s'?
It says 5 h 24 min
